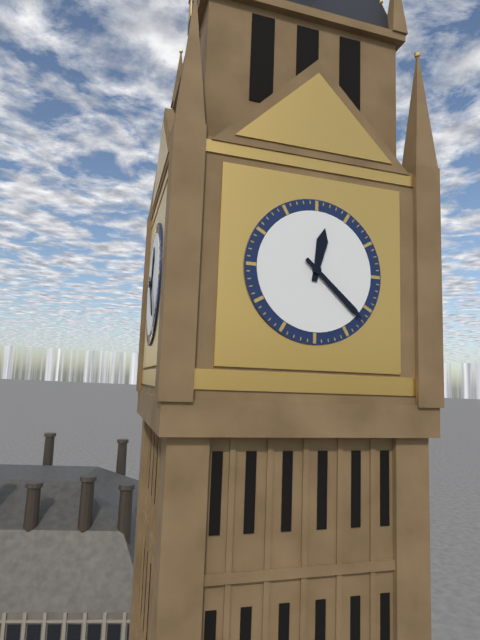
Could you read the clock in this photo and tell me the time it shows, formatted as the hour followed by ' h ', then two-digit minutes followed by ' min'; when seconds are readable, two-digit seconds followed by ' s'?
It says 12 h 22 min
